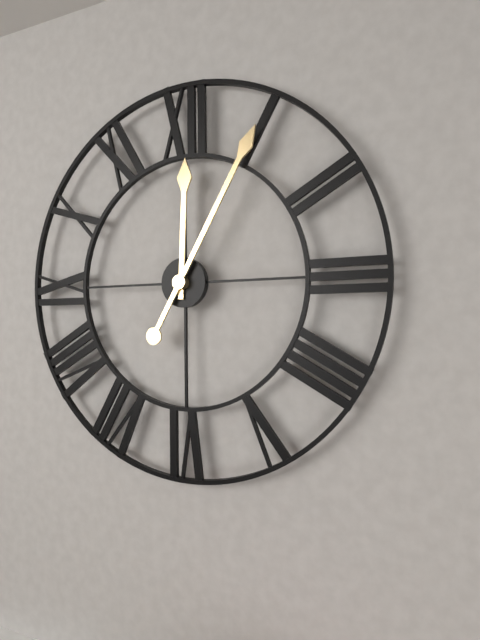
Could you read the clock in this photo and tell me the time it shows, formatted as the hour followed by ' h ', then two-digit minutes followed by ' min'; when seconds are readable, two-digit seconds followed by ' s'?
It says 12 h 05 min
